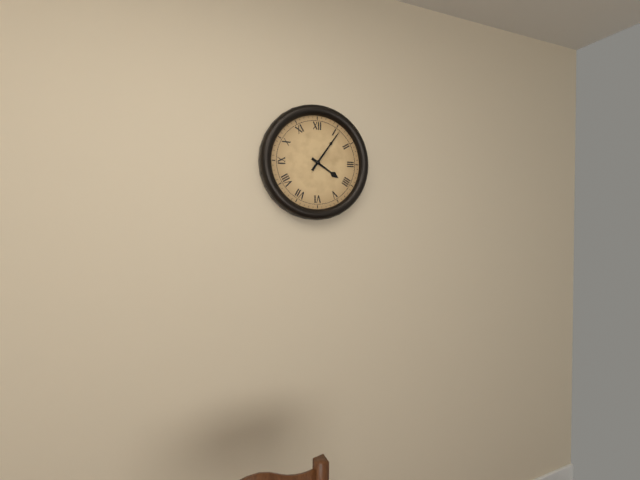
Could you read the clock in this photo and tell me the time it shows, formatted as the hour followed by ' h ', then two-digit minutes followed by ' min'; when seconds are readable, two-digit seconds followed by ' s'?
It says 4 h 06 min
